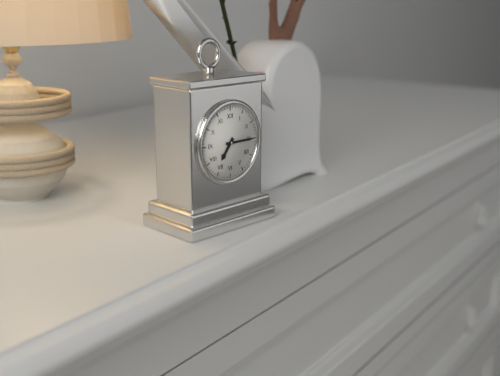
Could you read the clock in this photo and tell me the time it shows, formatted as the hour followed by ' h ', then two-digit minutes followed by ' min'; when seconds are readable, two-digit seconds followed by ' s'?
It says 7 h 15 min
